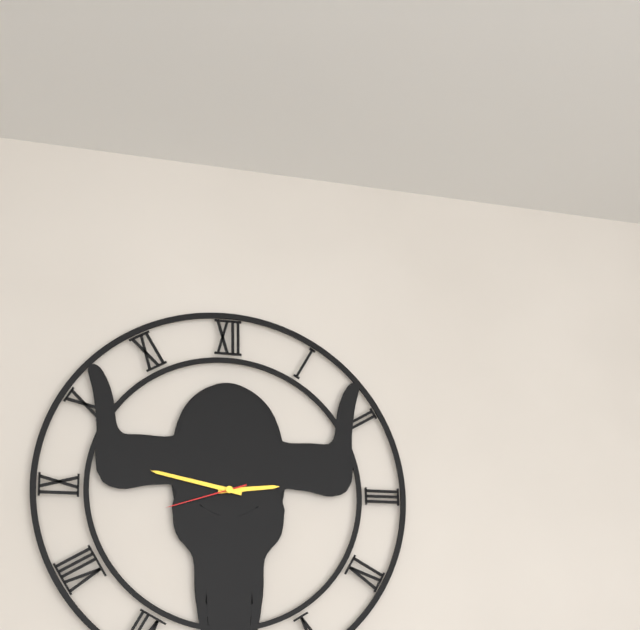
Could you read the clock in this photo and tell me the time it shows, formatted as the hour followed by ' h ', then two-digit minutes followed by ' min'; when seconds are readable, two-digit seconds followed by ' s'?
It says 2 h 47 min 42 s
